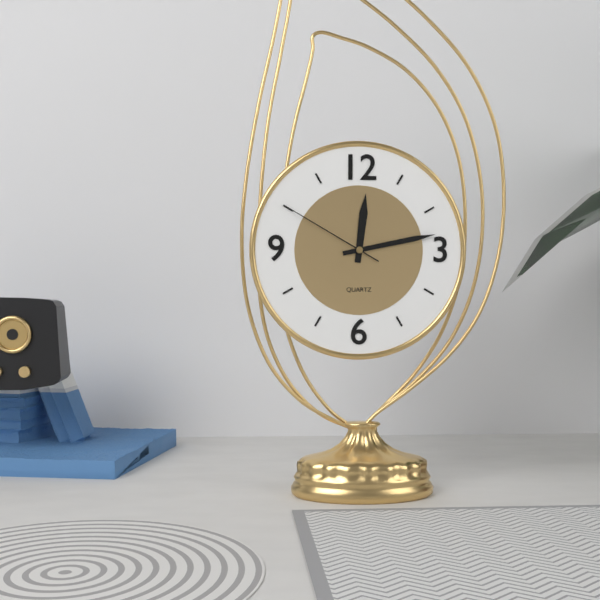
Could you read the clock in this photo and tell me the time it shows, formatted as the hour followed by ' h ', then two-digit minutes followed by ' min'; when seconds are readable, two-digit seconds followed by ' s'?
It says 12 h 13 min 50 s
